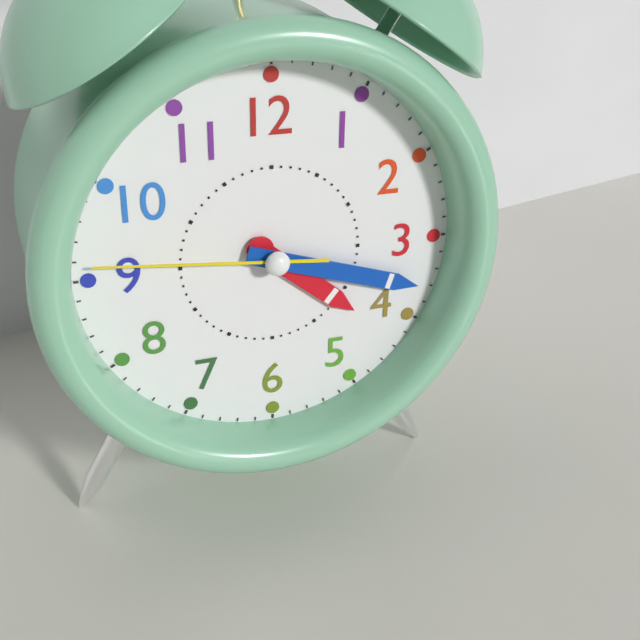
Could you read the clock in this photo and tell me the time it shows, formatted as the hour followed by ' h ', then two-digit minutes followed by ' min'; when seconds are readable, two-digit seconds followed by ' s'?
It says 4 h 18 min 46 s
